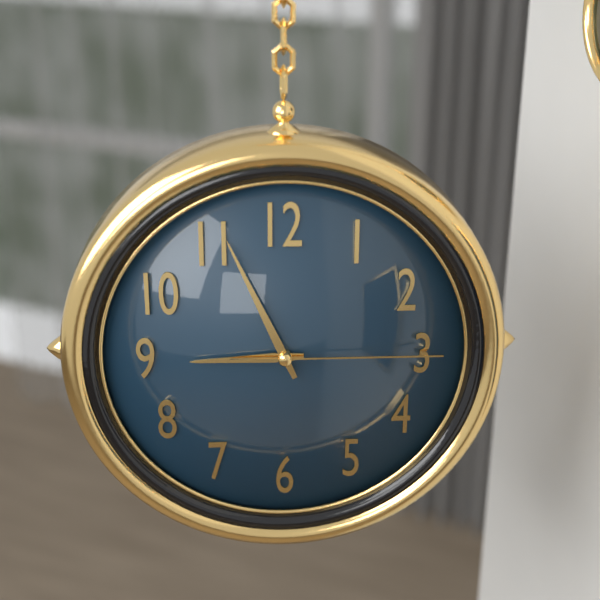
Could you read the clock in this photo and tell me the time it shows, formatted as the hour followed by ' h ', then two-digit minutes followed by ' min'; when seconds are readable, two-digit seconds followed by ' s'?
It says 8 h 56 min 15 s
